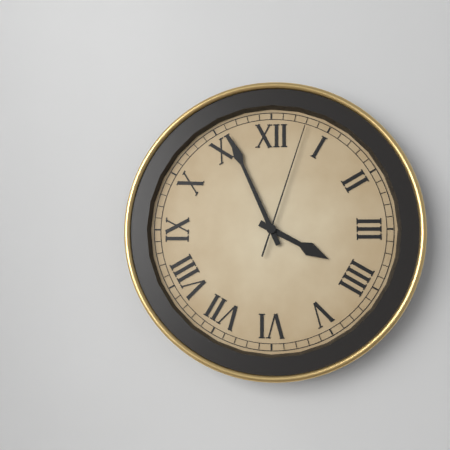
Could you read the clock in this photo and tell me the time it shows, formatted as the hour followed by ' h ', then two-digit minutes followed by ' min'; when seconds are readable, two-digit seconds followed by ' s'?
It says 3 h 56 min 03 s
